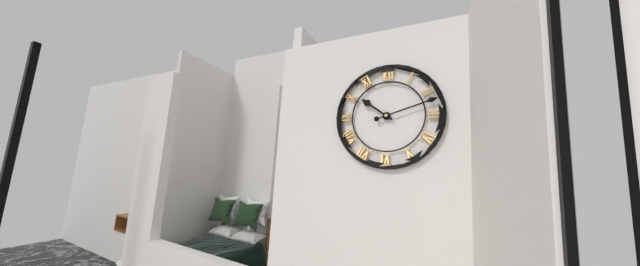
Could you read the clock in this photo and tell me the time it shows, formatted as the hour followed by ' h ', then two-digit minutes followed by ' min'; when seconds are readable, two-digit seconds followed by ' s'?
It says 10 h 12 min
